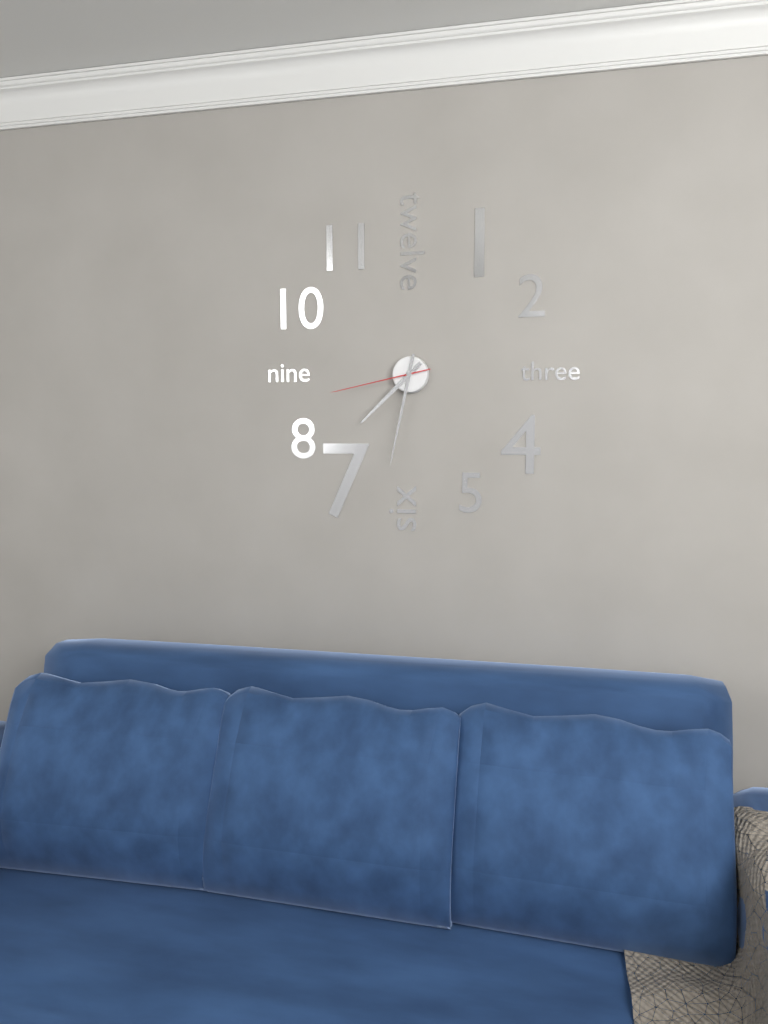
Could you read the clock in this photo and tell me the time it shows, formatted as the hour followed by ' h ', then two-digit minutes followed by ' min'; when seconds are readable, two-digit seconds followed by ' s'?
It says 7 h 32 min 43 s
